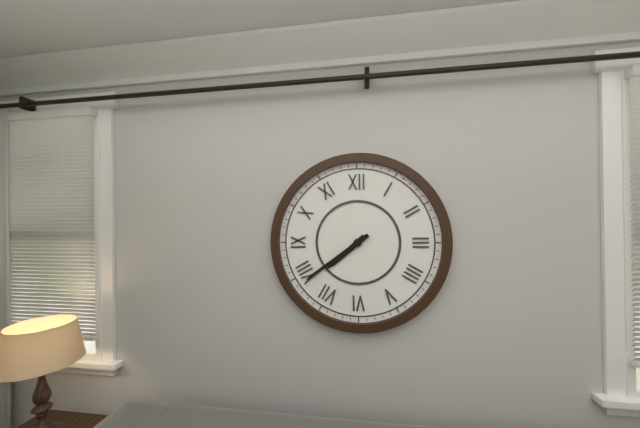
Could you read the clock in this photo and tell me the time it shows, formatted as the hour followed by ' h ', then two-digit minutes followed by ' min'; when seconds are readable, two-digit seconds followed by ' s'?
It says 7 h 39 min
